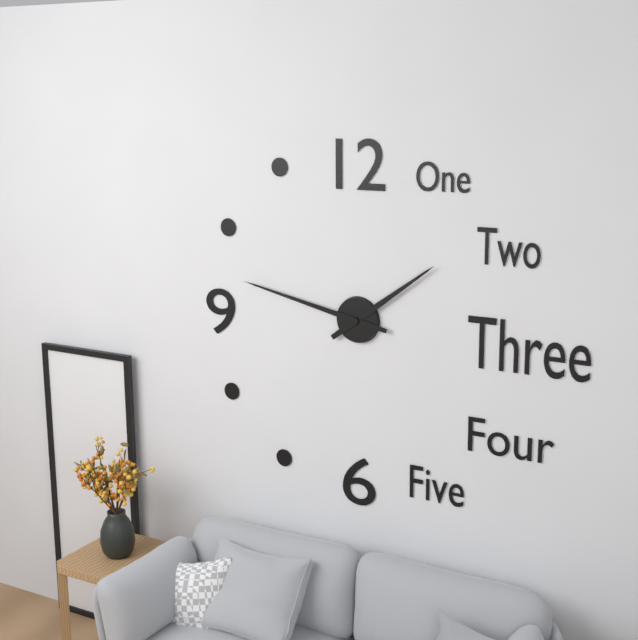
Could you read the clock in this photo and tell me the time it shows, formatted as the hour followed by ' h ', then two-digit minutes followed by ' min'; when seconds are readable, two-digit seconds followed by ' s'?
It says 1 h 47 min
